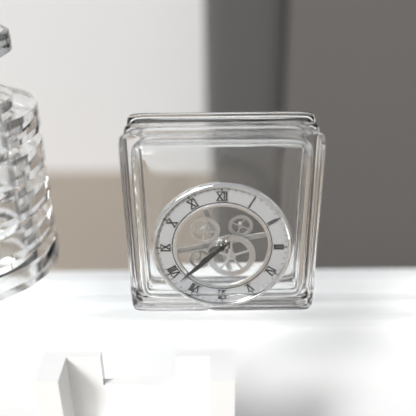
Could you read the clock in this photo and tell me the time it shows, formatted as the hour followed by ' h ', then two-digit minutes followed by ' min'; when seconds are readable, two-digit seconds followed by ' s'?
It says 7 h 38 min
